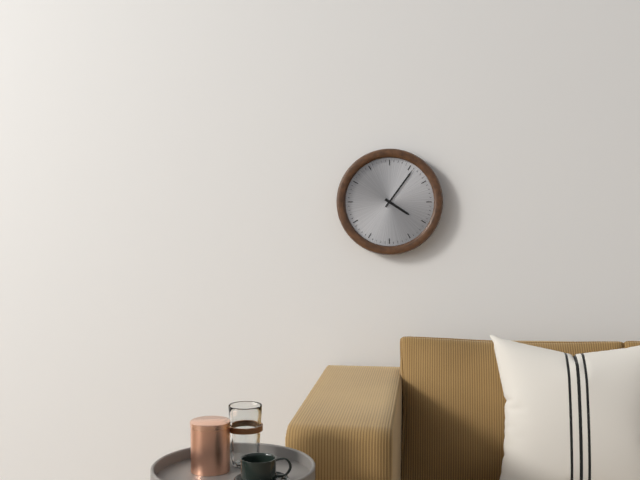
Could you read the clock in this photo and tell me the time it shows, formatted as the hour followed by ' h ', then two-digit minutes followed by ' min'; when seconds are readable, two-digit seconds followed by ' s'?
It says 4 h 06 min
